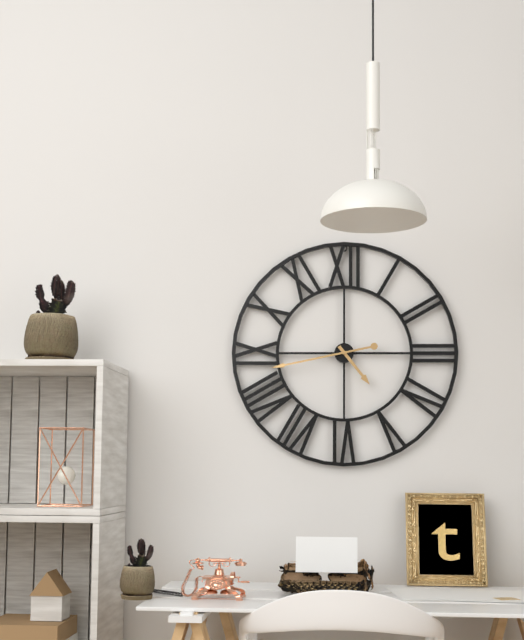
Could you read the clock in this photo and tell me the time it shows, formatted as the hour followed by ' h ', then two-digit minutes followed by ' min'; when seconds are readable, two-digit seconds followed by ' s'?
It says 4 h 43 min
